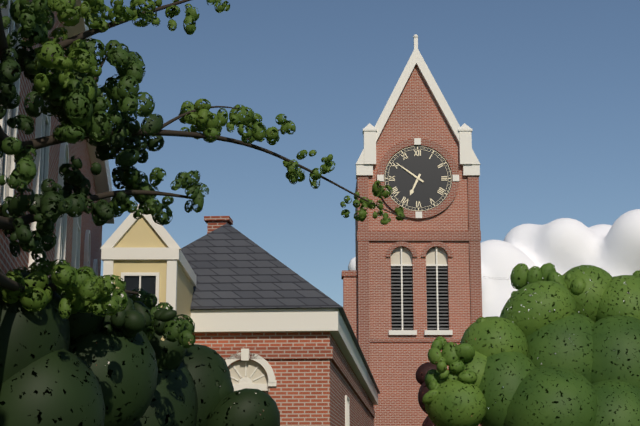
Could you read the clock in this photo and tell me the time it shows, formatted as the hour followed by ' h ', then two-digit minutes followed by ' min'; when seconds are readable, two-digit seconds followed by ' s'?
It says 6 h 51 min
